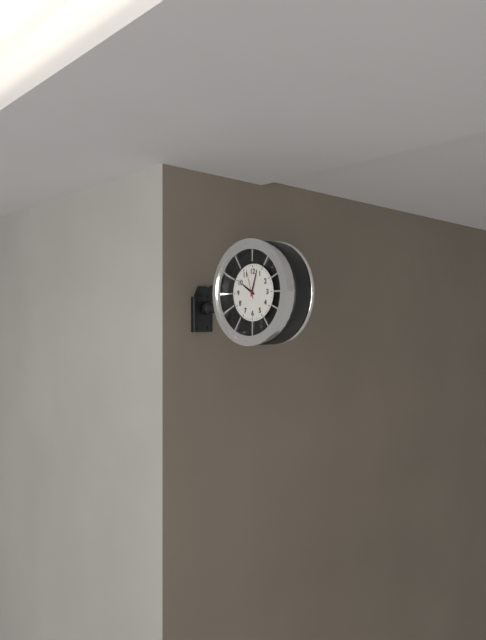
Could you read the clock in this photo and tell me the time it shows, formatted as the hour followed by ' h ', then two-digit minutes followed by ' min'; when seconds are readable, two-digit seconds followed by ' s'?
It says 10 h 03 min
